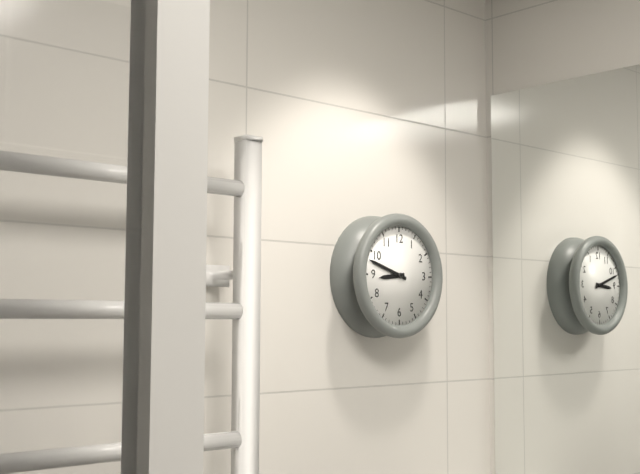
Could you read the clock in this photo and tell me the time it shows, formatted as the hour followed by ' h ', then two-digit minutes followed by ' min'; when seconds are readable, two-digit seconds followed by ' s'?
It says 8 h 48 min
